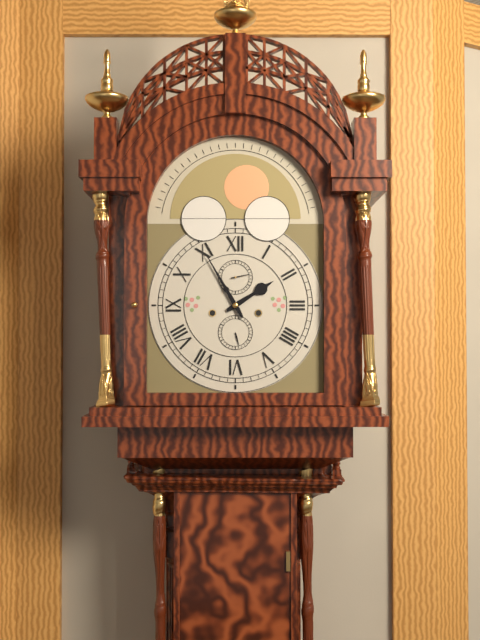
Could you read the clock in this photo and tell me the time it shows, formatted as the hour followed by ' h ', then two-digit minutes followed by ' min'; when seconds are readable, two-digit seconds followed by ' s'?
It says 1 h 55 min
